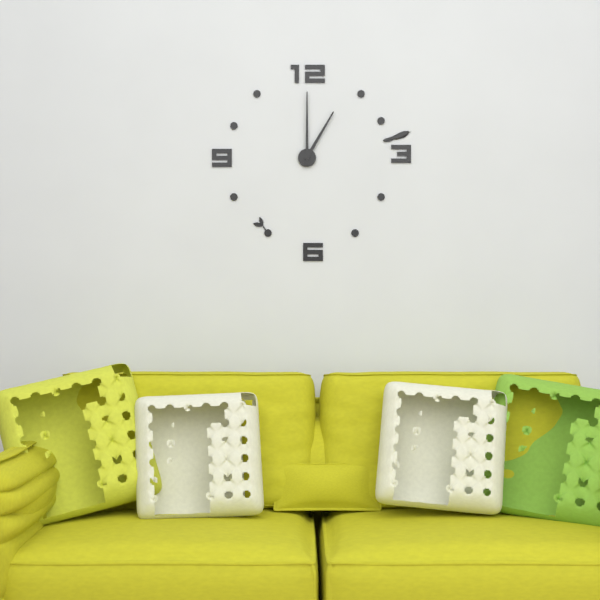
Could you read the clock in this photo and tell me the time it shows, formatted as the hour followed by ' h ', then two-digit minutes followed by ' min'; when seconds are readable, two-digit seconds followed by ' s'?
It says 1 h 00 min
